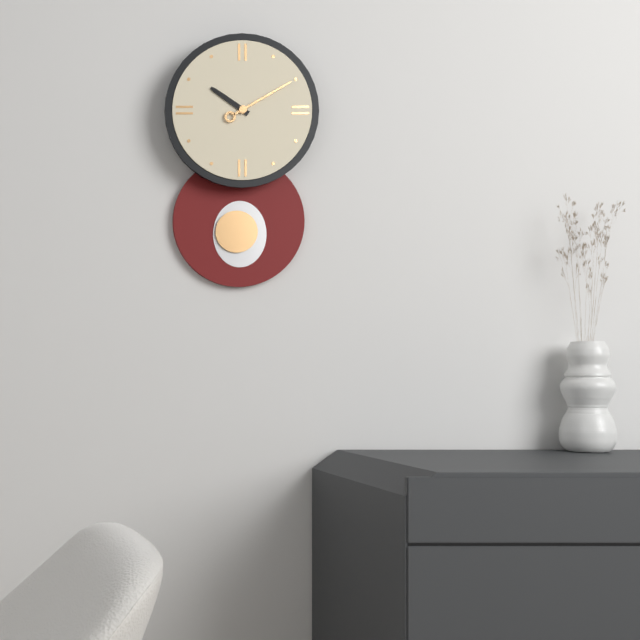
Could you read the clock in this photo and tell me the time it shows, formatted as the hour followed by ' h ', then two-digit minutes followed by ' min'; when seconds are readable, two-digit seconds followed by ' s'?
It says 10 h 10 min
